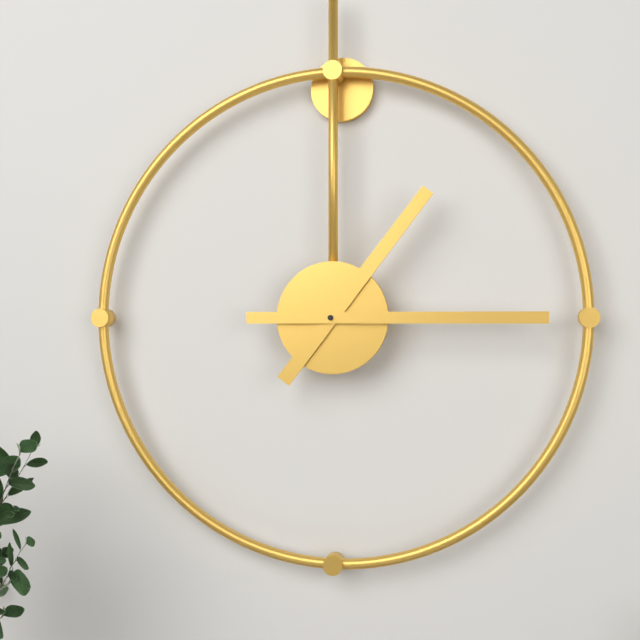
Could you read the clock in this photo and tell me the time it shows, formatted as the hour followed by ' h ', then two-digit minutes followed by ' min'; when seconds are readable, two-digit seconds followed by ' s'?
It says 1 h 15 min
